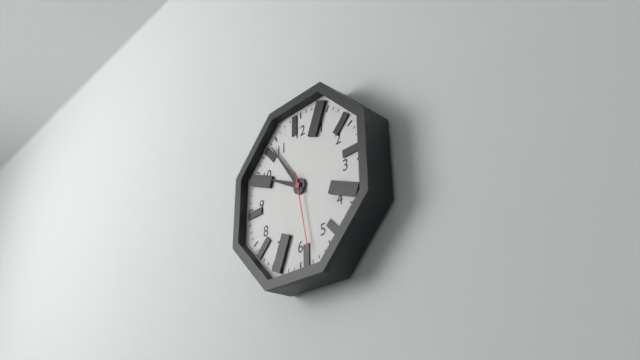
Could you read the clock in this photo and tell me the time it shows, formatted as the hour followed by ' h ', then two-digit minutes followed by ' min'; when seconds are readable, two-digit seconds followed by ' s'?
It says 9 h 54 min 28 s
